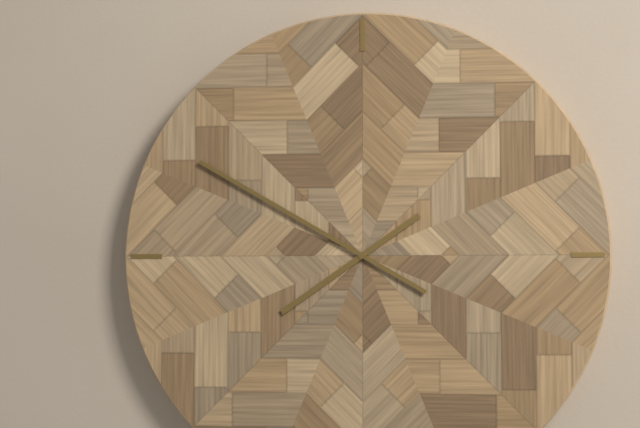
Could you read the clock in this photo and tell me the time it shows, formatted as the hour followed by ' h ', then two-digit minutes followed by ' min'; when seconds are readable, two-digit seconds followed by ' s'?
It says 7 h 50 min
